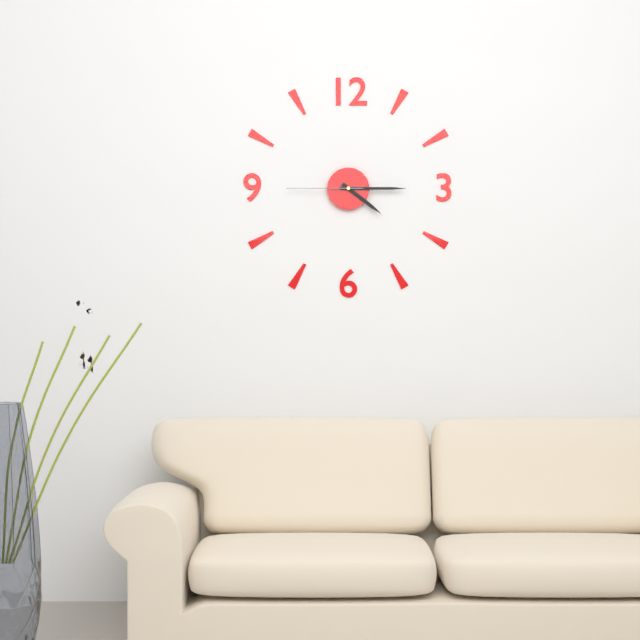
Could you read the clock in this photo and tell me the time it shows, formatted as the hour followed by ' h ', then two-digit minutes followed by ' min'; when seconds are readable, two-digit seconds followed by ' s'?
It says 4 h 15 min 45 s
